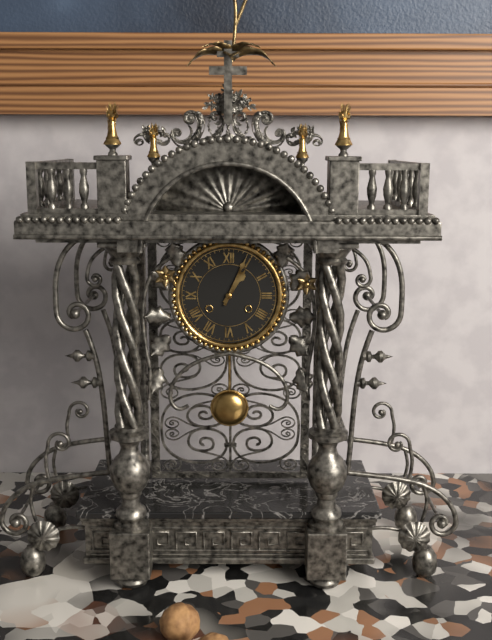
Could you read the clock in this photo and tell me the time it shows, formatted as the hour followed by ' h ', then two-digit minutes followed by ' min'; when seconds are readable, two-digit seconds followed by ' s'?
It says 1 h 04 min
